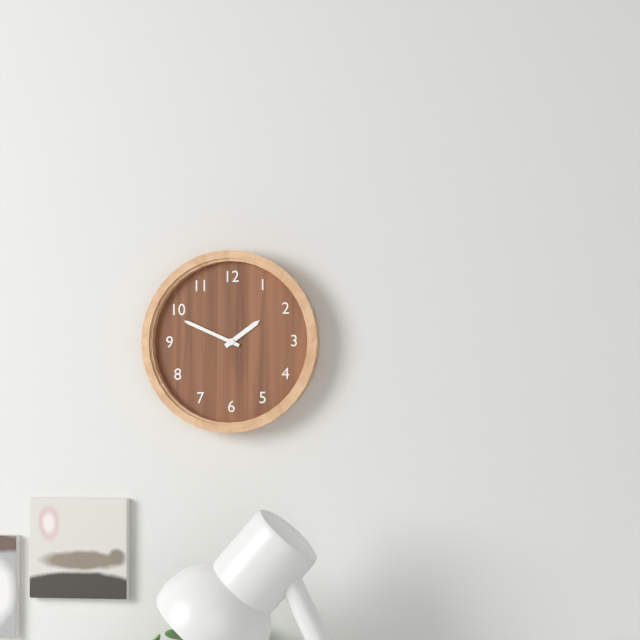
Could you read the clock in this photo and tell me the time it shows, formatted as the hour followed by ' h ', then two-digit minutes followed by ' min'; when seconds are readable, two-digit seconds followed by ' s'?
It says 1 h 49 min
